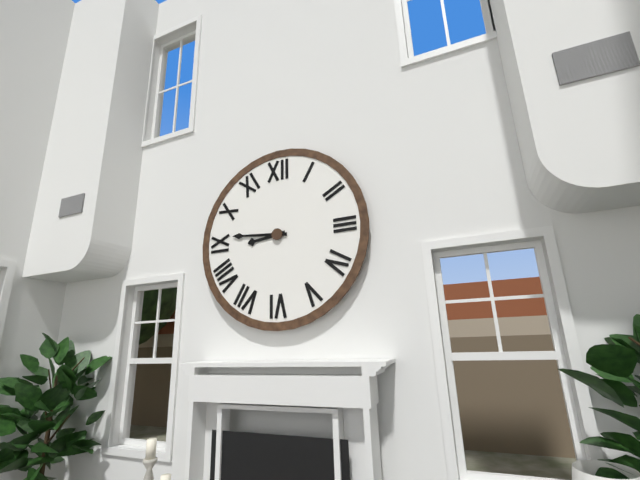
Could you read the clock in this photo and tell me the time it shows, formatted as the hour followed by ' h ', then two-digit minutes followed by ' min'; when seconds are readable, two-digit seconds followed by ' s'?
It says 8 h 46 min
